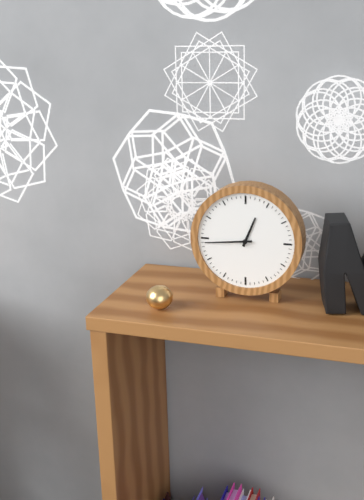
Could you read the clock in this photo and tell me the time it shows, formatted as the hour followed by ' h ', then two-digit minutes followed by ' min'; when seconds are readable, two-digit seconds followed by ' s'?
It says 12 h 44 min
